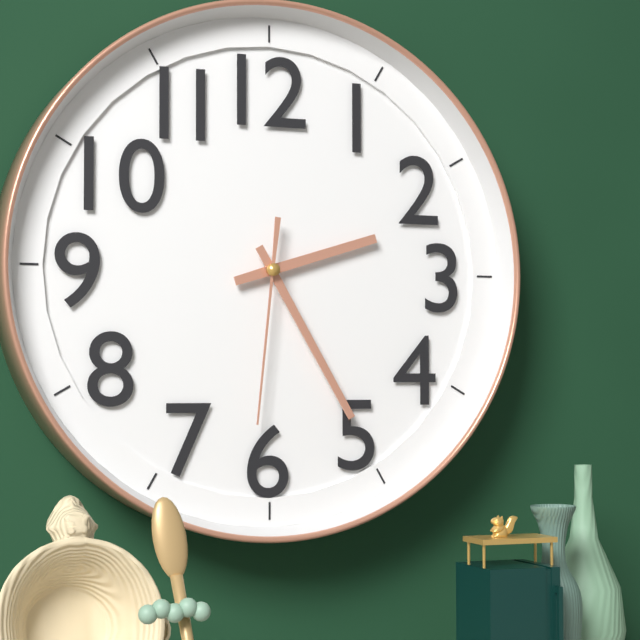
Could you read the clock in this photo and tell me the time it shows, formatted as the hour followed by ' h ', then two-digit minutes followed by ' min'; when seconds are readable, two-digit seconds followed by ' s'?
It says 2 h 25 min 31 s
